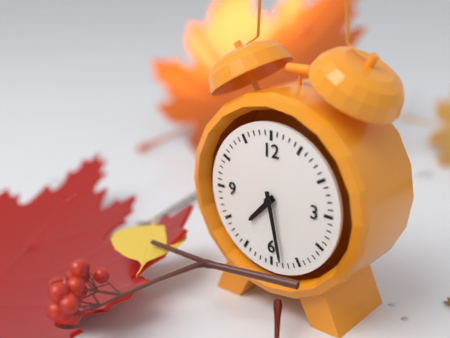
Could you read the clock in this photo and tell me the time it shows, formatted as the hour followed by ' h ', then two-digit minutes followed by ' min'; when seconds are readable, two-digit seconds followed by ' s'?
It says 7 h 28 min
